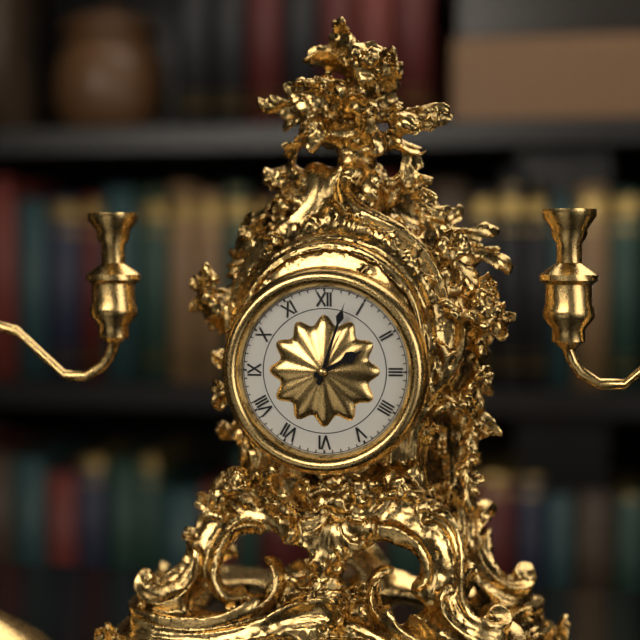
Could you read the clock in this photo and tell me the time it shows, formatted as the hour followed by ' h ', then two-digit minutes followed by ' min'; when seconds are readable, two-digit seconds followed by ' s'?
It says 2 h 03 min
